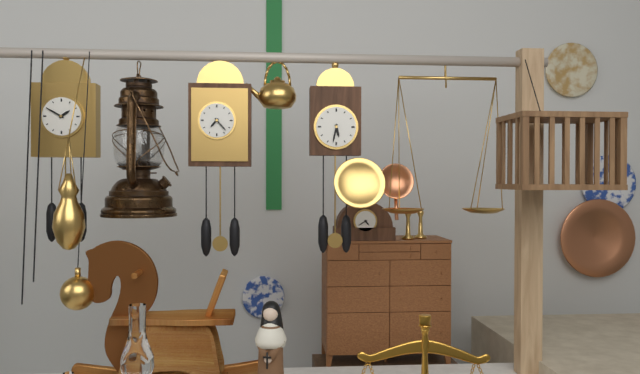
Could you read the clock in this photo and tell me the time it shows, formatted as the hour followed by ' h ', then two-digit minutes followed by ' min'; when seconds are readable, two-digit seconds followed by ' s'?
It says 5 h 32 min
